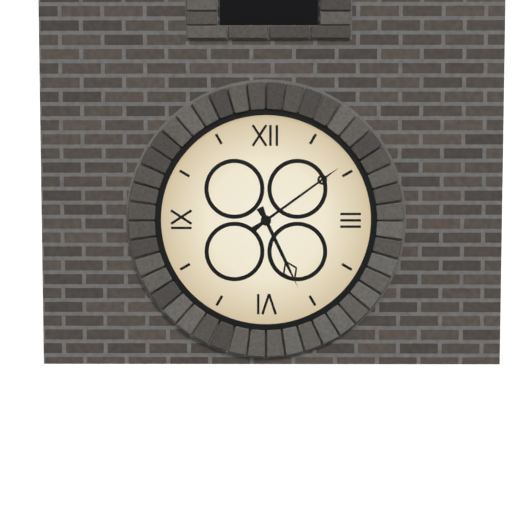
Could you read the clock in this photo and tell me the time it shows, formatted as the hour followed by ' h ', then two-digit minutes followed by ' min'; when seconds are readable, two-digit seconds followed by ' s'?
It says 5 h 09 min
